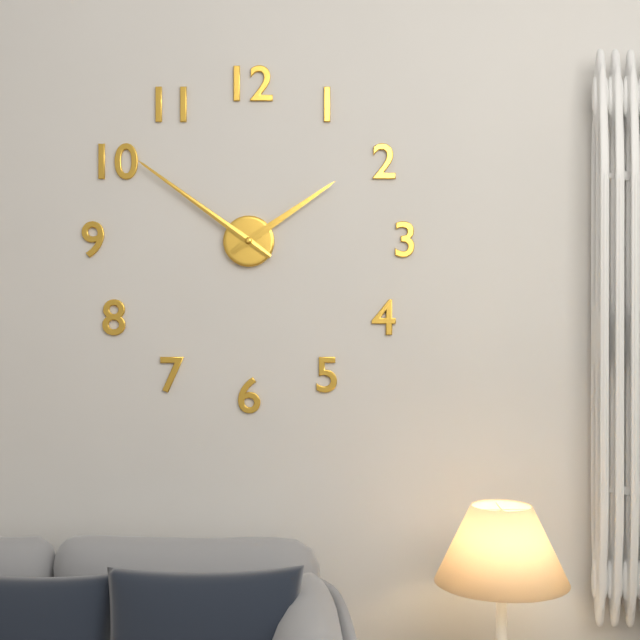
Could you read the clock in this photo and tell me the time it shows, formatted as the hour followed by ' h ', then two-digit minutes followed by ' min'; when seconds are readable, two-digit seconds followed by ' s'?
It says 1 h 51 min
